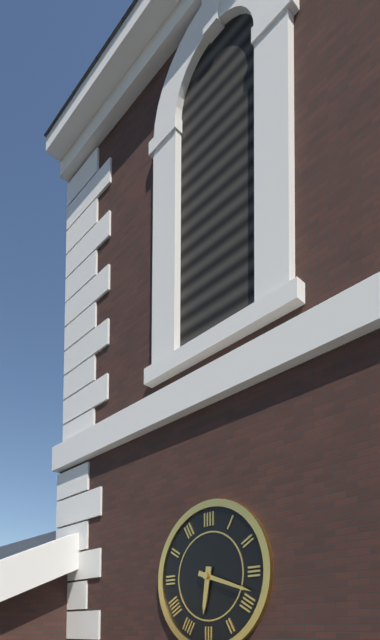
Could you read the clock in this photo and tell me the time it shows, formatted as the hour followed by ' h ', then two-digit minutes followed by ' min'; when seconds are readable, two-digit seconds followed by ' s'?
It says 6 h 18 min
